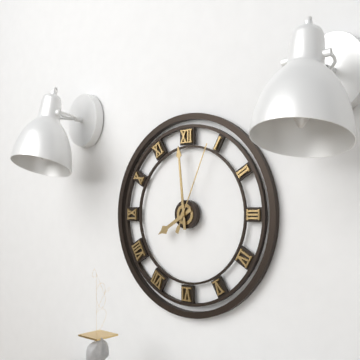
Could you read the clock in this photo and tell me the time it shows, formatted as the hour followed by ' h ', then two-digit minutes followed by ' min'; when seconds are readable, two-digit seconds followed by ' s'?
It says 7 h 59 min 04 s
